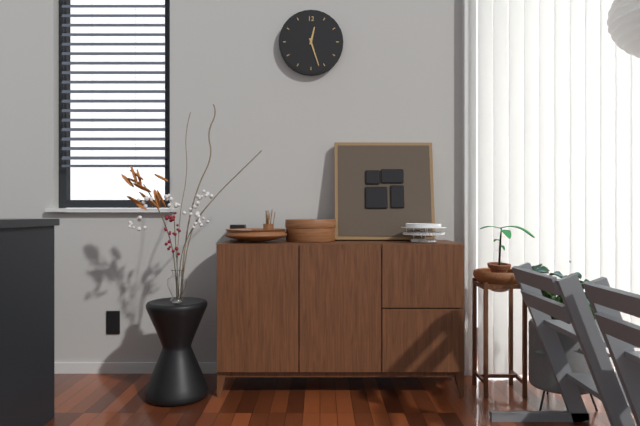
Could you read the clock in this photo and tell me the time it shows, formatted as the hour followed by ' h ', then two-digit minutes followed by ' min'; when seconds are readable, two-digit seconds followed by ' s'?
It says 12 h 27 min
